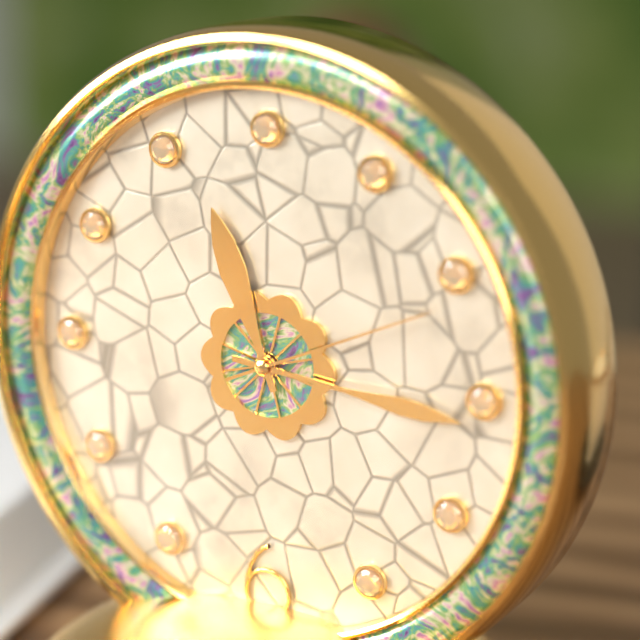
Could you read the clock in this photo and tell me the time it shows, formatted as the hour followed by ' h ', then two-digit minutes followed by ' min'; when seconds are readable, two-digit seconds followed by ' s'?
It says 11 h 16 min 11 s
